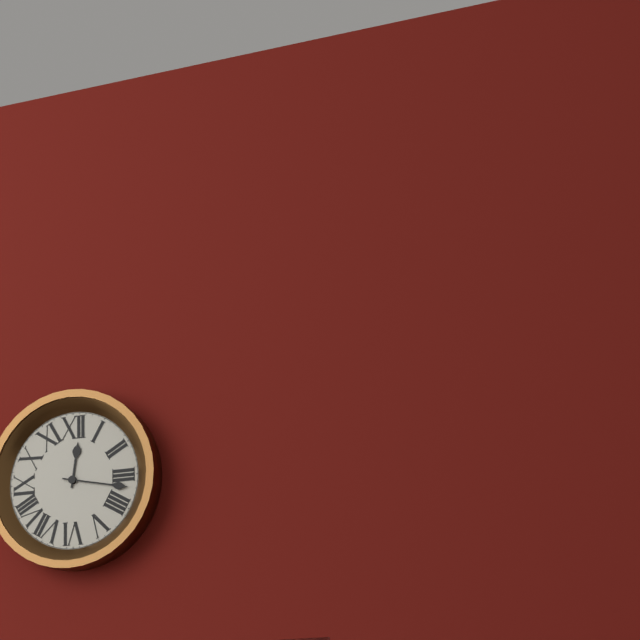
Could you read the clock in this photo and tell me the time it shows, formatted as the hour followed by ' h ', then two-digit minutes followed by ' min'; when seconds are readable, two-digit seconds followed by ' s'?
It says 12 h 17 min
